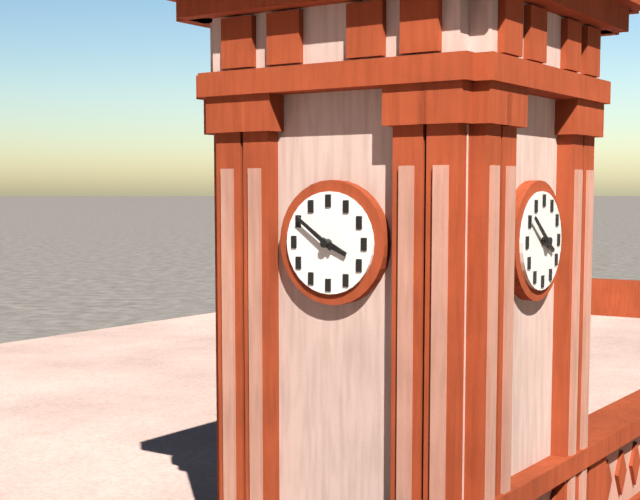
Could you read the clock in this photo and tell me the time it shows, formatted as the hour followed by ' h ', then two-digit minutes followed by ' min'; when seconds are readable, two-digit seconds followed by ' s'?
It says 3 h 51 min
